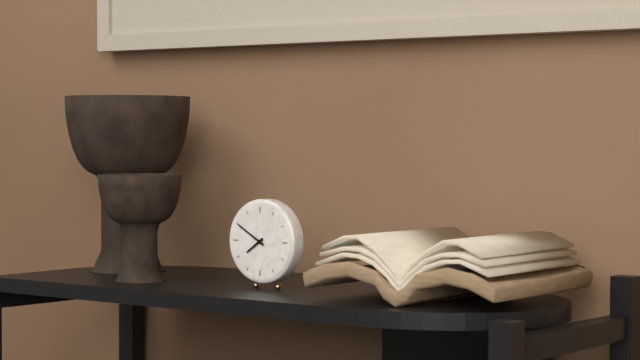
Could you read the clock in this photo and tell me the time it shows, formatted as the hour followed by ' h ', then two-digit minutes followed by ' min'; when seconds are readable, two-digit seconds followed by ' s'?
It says 7 h 50 min
